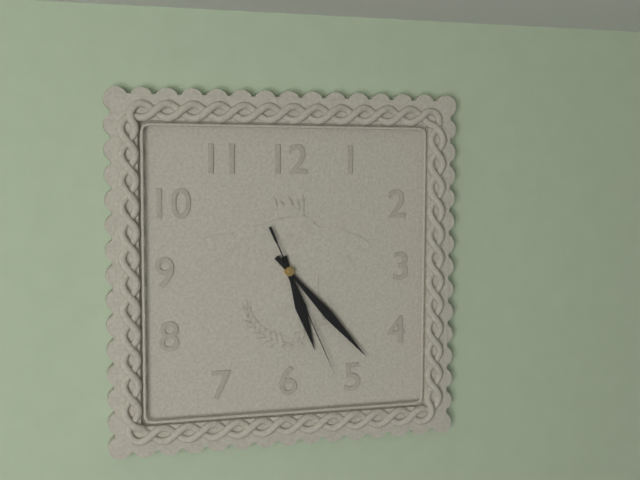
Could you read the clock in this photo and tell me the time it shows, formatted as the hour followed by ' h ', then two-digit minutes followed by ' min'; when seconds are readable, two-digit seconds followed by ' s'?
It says 5 h 23 min 26 s
